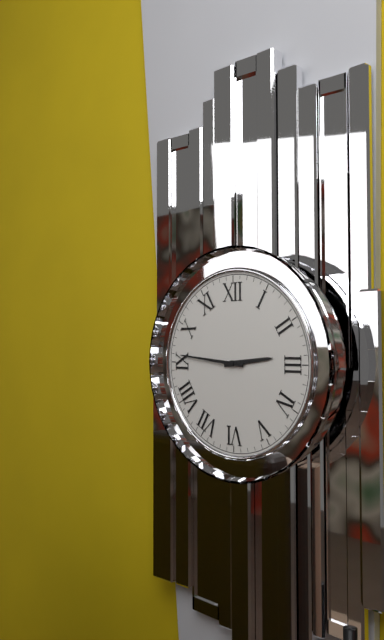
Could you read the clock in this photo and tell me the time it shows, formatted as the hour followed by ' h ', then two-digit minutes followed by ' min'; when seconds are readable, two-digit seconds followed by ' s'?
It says 2 h 46 min
